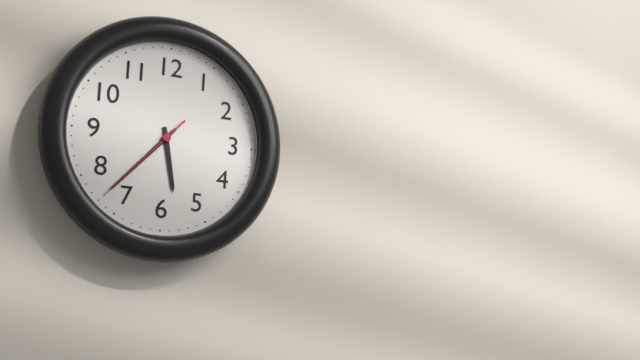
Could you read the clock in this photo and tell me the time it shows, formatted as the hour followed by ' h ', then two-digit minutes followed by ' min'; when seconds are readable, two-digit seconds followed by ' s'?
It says 5 h 37 min 37 s
